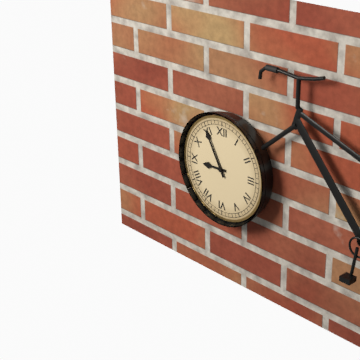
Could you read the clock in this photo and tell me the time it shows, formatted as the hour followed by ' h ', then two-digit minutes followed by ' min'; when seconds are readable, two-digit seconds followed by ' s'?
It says 8 h 55 min
